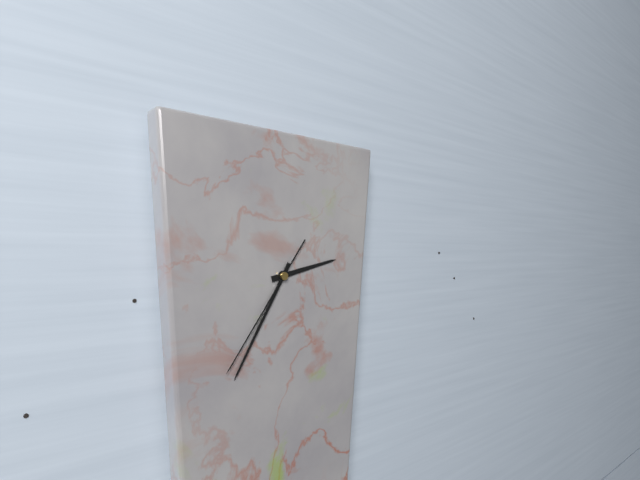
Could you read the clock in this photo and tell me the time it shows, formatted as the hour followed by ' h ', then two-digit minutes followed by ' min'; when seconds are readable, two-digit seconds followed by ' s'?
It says 2 h 35 min 36 s
